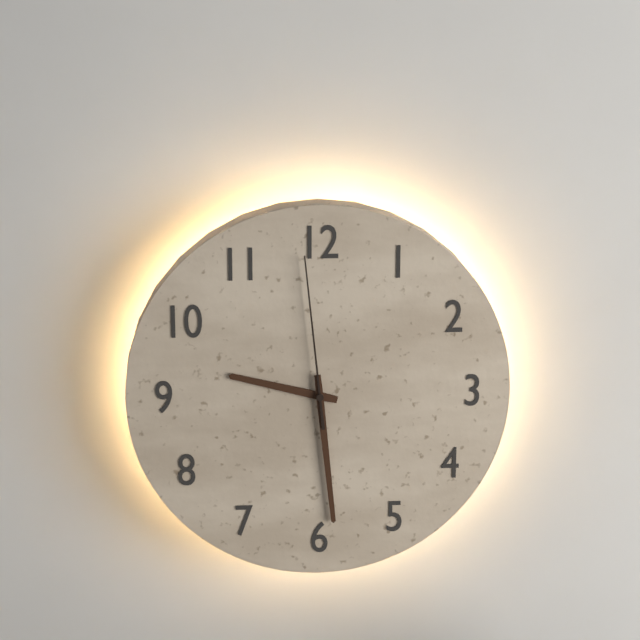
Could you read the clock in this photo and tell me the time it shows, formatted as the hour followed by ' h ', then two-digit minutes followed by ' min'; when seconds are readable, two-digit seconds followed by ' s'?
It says 9 h 29 min 59 s
